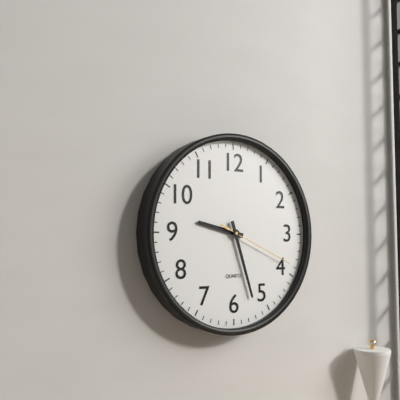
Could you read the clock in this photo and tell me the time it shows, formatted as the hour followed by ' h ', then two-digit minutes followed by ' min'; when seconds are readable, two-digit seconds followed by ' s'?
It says 9 h 27 min 19 s
